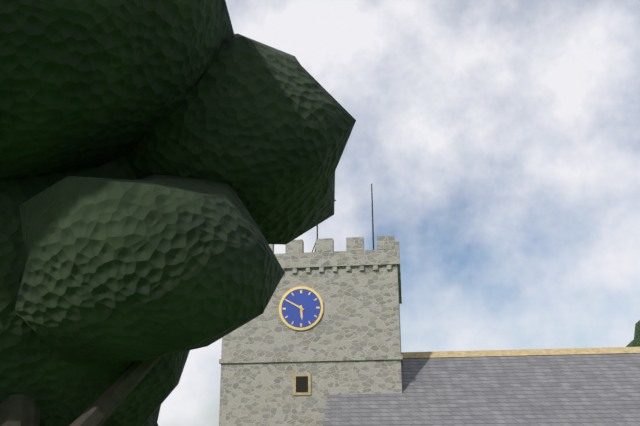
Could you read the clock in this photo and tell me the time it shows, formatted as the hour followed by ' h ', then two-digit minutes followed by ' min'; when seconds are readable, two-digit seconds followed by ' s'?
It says 5 h 50 min
